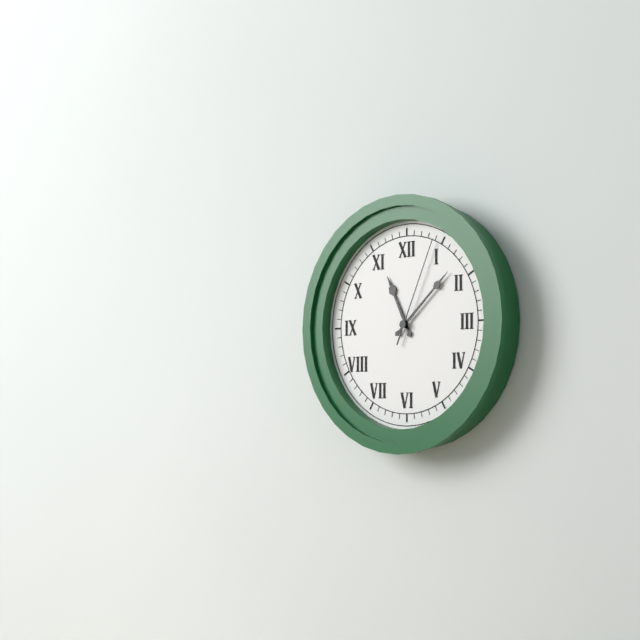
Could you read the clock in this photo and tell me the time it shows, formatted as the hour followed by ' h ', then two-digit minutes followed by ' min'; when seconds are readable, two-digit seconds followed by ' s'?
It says 11 h 08 min 04 s
